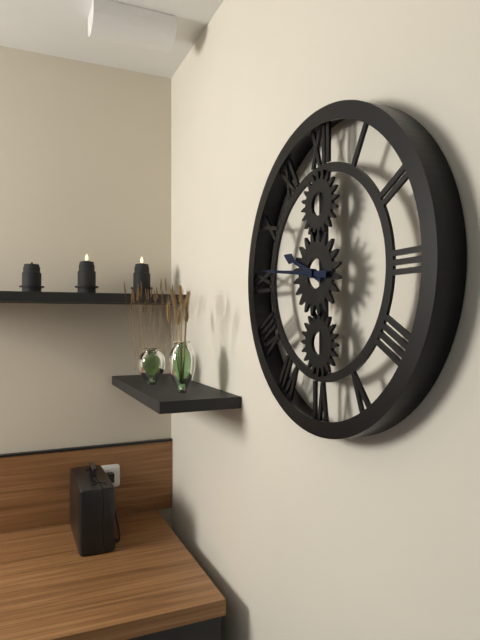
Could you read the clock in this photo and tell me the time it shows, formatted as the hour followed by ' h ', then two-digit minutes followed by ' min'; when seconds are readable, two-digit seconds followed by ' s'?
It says 9 h 46 min
